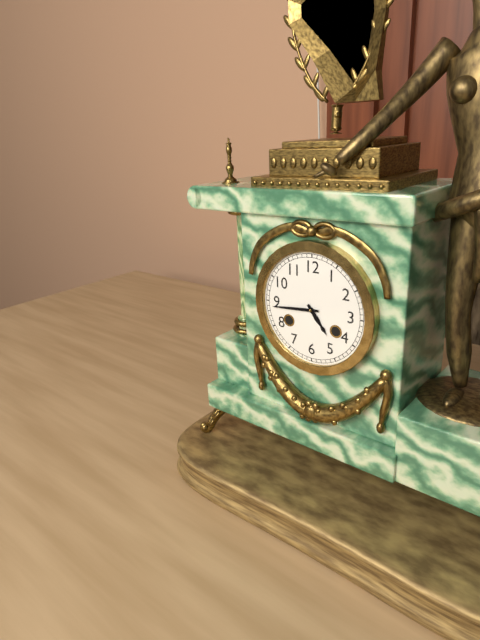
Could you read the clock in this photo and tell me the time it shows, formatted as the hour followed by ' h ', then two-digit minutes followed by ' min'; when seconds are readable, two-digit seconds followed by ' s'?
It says 4 h 44 min
